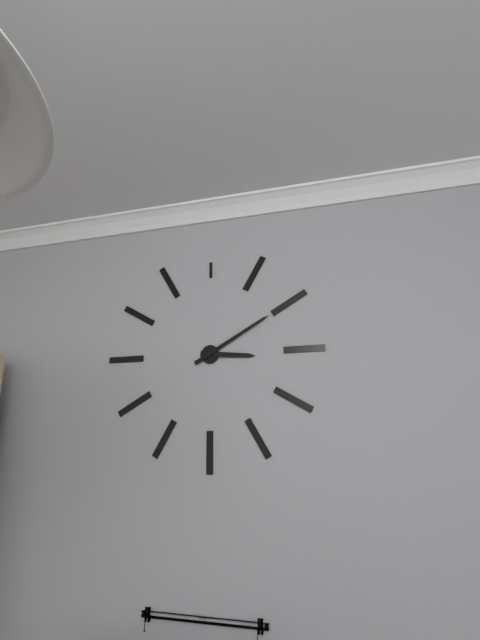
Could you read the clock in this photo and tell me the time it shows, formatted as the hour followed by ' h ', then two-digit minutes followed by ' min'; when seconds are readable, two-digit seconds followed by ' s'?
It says 3 h 10 min
